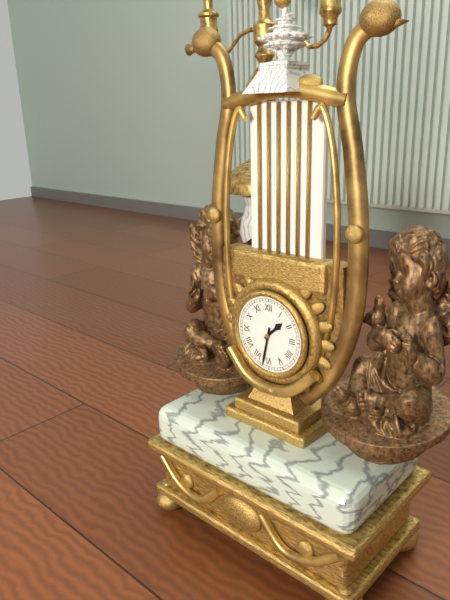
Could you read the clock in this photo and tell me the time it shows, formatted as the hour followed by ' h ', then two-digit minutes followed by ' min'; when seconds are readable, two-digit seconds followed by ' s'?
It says 1 h 32 min
